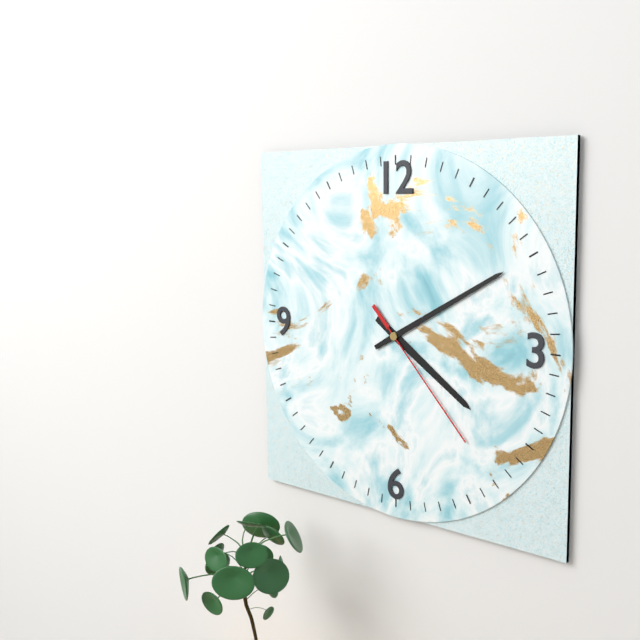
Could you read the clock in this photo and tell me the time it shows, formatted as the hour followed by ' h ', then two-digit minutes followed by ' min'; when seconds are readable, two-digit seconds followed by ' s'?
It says 4 h 10 min 23 s
